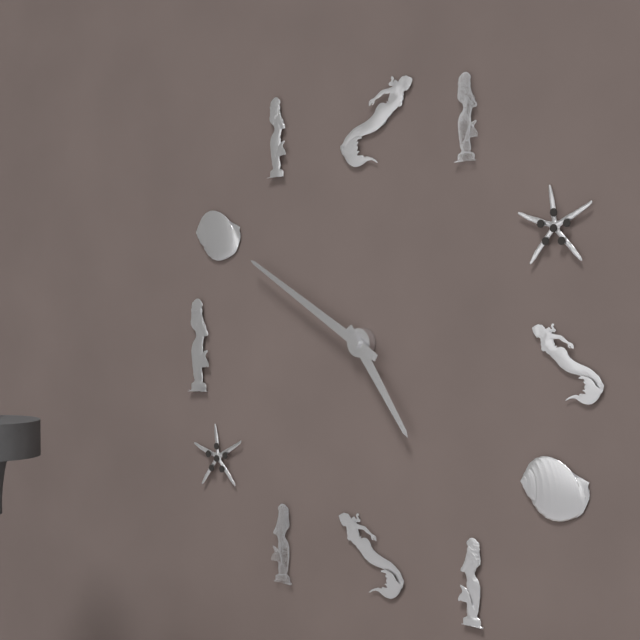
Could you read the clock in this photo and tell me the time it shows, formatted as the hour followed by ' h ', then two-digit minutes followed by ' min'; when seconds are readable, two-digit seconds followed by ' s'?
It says 4 h 50 min
